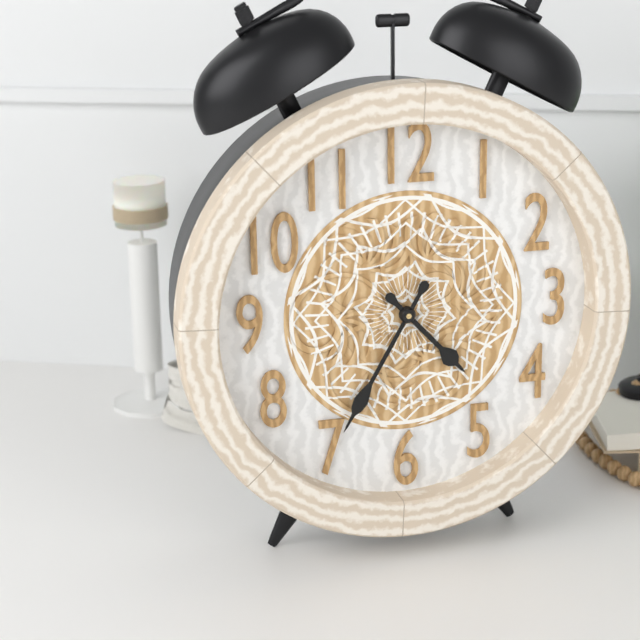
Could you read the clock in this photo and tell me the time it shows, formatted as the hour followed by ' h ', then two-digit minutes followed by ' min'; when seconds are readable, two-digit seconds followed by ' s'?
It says 4 h 35 min
